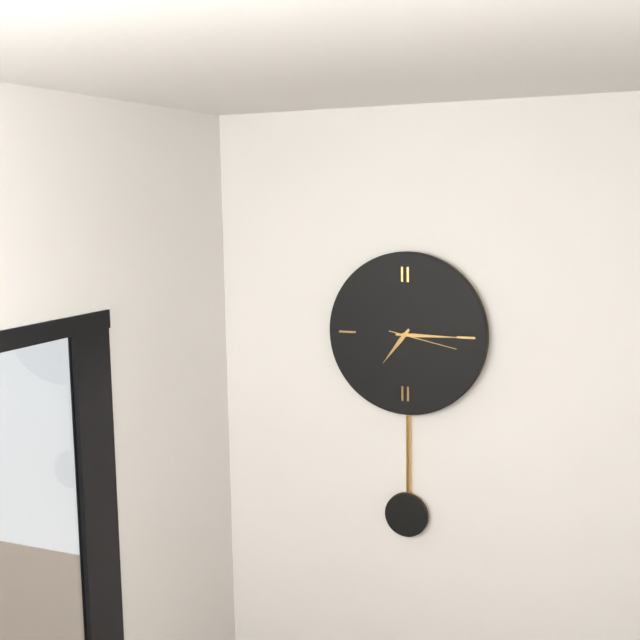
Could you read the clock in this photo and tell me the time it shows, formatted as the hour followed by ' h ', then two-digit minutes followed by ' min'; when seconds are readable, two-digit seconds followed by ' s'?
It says 7 h 15 min 17 s
